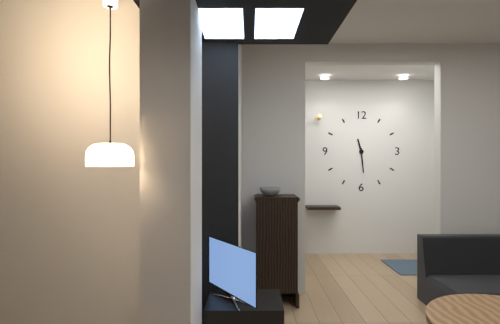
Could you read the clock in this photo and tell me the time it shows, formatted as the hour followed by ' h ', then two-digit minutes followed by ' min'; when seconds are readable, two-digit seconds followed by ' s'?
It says 11 h 29 min
